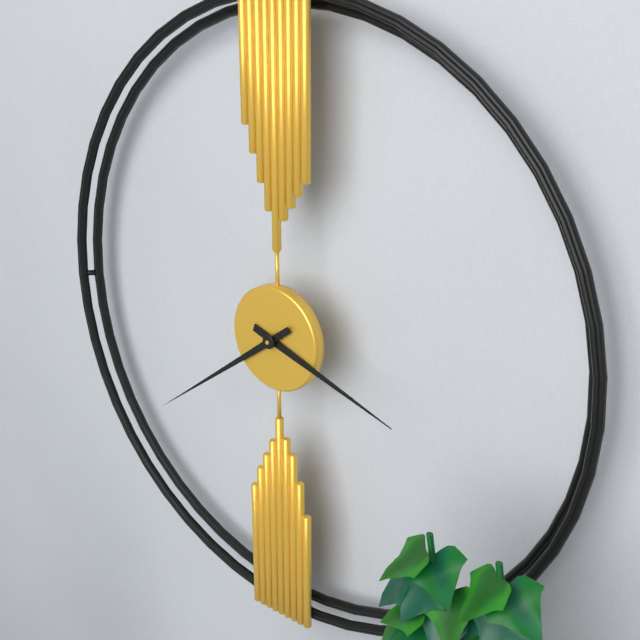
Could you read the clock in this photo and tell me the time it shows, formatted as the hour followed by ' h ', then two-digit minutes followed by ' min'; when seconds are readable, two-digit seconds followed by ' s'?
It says 3 h 39 min
